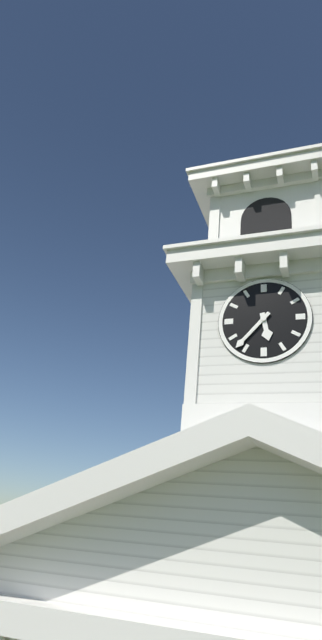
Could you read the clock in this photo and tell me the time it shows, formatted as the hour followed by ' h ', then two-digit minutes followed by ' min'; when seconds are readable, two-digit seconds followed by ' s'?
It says 5 h 37 min
